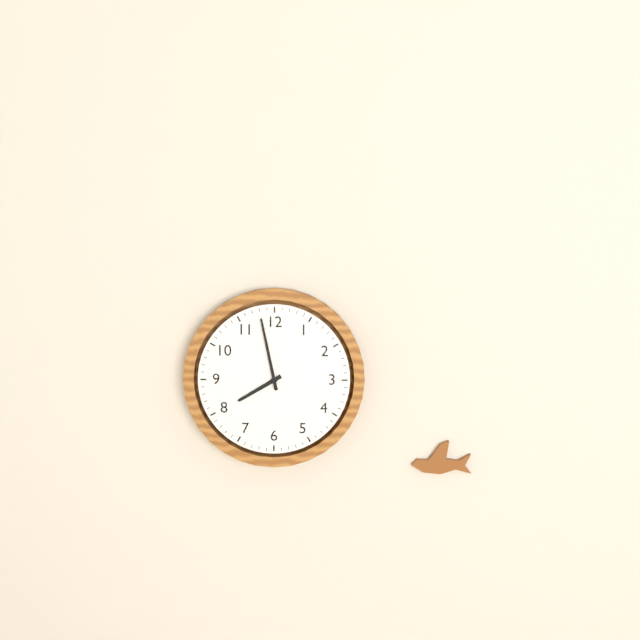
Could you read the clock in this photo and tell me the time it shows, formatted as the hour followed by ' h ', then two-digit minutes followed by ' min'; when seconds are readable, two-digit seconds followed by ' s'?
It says 7 h 58 min
